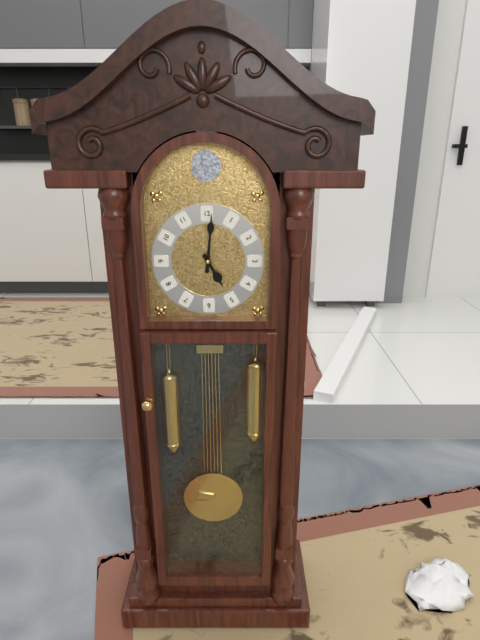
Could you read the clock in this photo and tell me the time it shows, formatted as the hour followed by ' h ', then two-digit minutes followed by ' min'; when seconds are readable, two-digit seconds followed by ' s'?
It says 5 h 01 min
